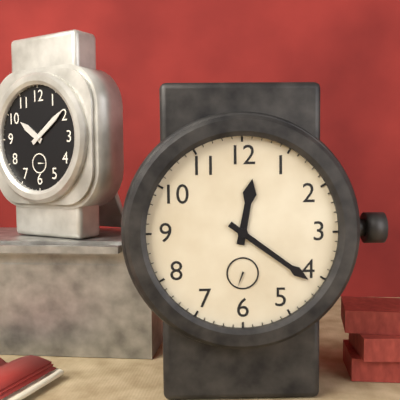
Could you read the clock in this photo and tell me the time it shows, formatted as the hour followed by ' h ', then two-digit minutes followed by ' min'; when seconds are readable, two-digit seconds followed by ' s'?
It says 12 h 21 min
